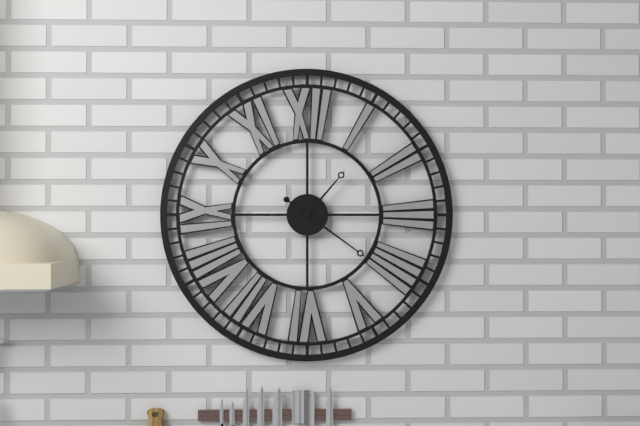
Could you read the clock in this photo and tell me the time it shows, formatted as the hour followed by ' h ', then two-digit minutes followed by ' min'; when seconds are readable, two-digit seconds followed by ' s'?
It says 1 h 21 min
